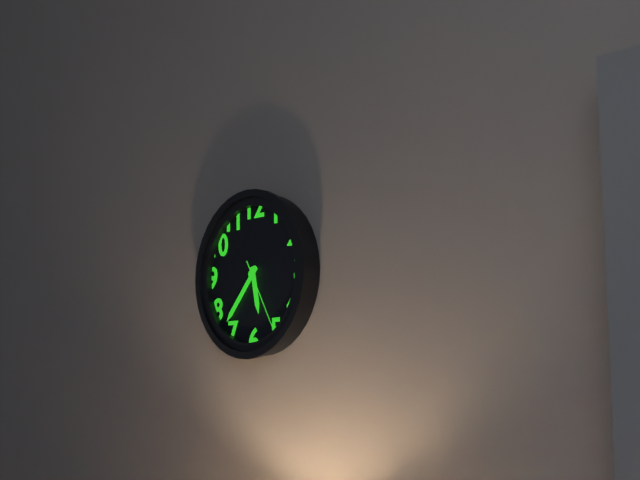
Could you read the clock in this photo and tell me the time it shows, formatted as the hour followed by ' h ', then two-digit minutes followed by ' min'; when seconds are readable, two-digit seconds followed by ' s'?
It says 5 h 37 min 25 s
